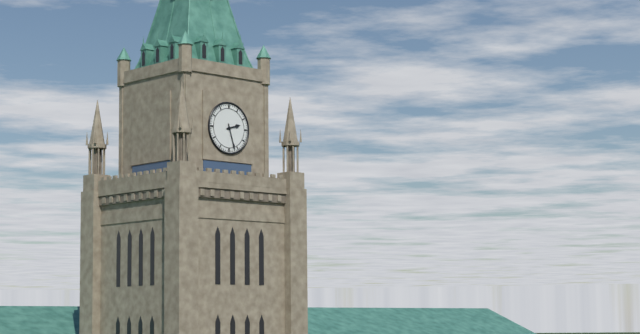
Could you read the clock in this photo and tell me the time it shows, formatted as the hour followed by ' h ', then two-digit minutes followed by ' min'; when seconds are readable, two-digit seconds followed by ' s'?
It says 2 h 27 min
